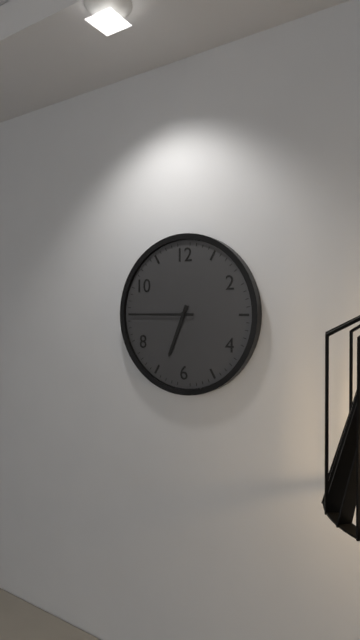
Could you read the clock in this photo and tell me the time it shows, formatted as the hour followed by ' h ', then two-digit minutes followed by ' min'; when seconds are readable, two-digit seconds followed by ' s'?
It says 6 h 45 min
